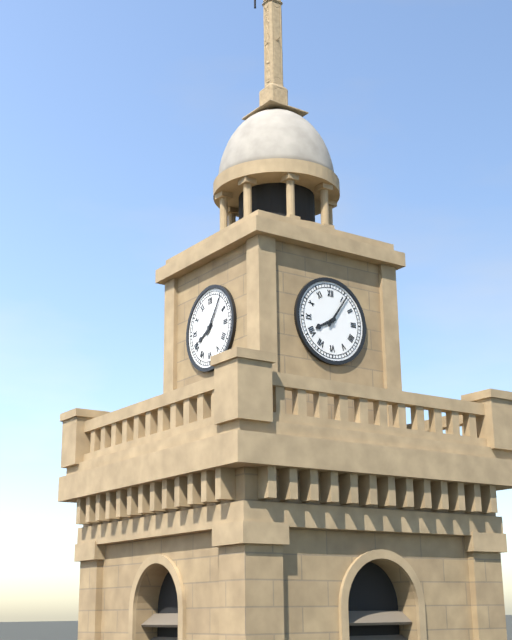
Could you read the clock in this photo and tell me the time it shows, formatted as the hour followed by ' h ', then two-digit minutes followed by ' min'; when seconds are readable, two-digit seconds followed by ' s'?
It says 8 h 06 min
